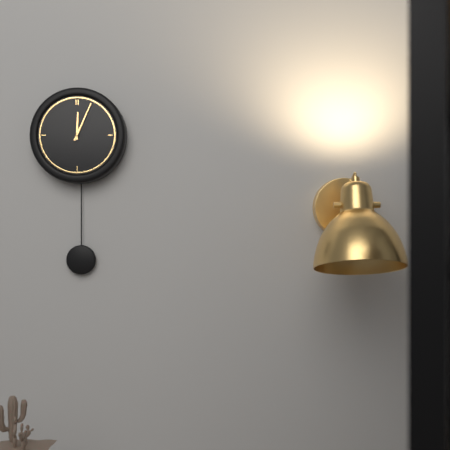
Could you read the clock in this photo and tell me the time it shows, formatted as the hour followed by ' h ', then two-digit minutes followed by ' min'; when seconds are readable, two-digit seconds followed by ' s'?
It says 12 h 04 min
